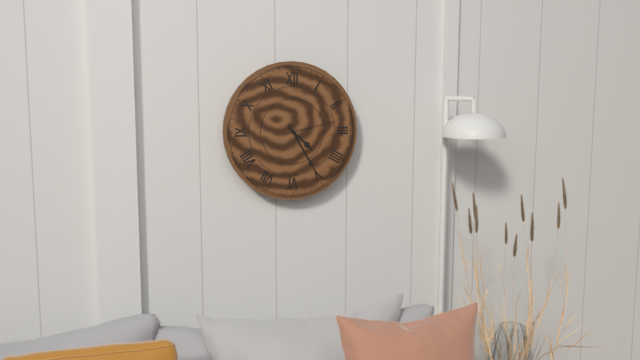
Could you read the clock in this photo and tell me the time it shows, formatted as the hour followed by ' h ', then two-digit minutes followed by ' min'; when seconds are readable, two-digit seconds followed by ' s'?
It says 4 h 25 min 13 s
